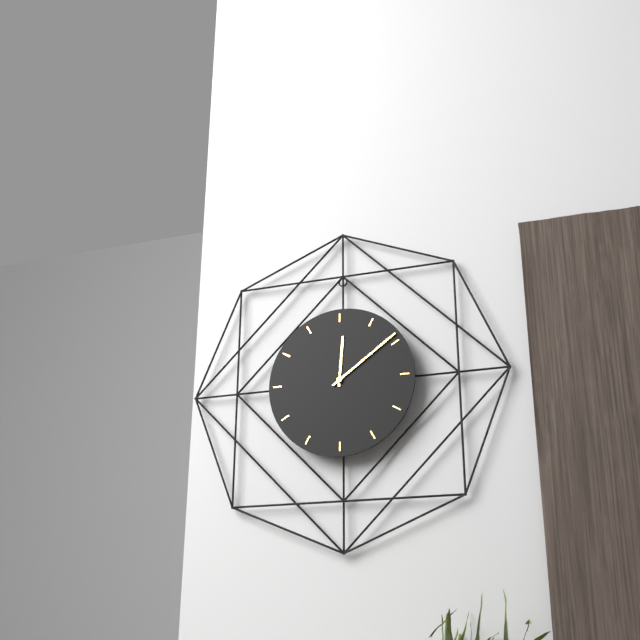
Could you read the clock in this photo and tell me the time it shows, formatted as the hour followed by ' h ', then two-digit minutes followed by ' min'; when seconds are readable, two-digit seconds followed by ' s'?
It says 12 h 09 min
